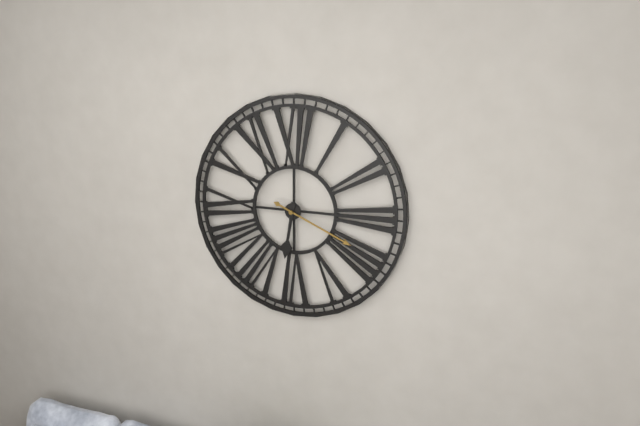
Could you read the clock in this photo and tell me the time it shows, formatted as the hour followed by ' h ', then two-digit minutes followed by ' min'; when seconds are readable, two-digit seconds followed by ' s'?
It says 6 h 19 min
